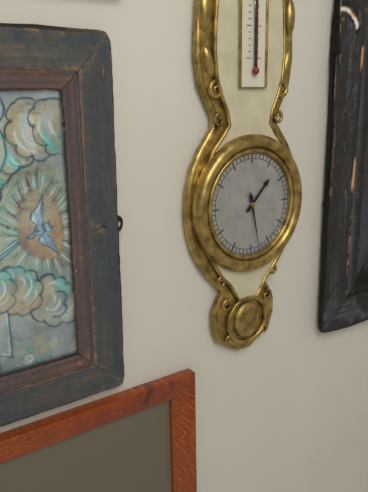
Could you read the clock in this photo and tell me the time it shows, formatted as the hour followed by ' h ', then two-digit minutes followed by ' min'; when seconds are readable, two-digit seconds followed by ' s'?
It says 1 h 28 min
